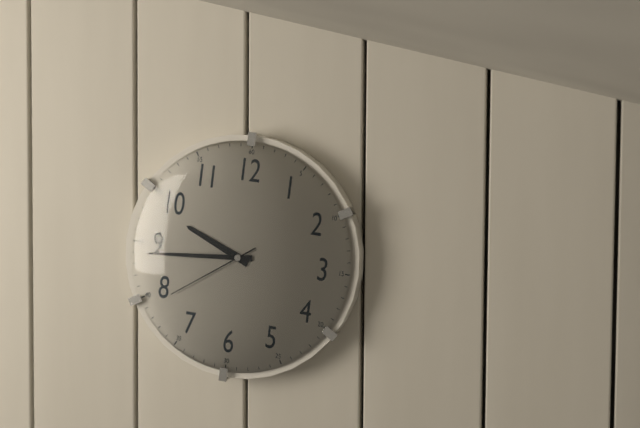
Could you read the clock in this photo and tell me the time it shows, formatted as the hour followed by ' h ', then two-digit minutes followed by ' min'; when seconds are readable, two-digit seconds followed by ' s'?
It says 9 h 44 min 39 s
